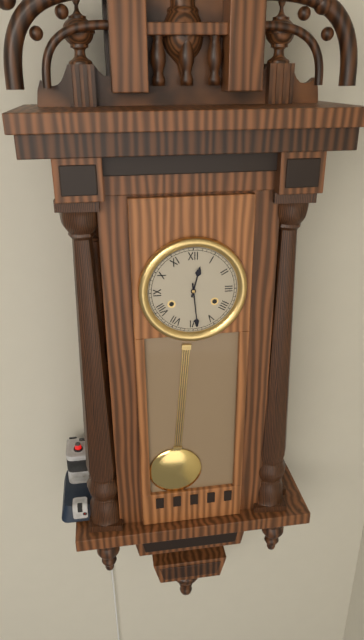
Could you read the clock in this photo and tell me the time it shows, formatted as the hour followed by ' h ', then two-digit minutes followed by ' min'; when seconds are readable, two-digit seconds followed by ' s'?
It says 12 h 29 min
